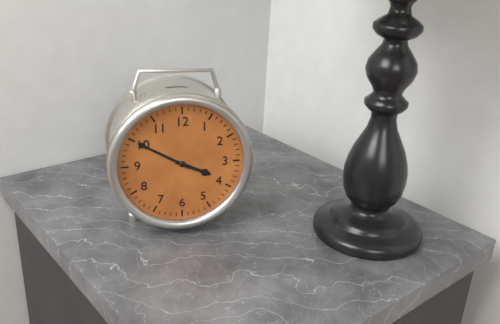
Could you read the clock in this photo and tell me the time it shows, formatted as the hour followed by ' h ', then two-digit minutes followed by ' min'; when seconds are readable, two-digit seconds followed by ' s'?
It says 3 h 50 min
